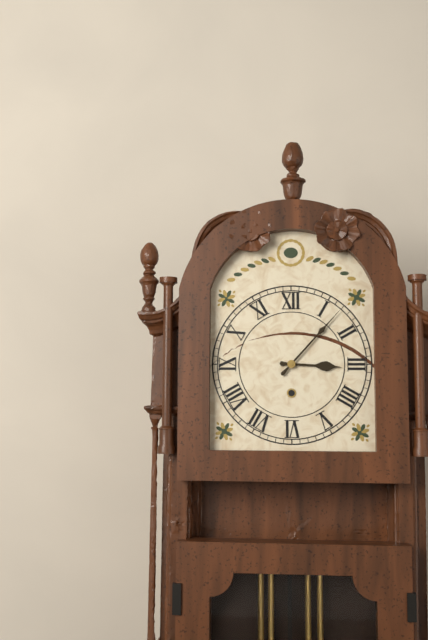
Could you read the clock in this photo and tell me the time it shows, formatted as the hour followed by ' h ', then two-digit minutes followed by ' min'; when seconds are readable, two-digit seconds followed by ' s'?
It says 3 h 07 min
